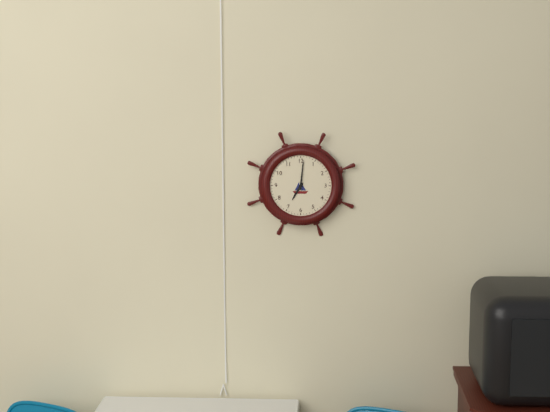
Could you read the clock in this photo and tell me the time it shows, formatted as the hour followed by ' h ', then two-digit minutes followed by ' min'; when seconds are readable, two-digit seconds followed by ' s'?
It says 7 h 01 min
